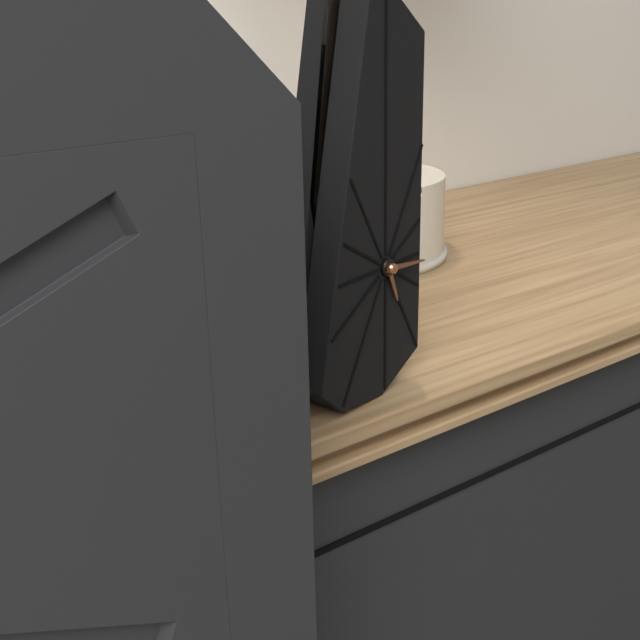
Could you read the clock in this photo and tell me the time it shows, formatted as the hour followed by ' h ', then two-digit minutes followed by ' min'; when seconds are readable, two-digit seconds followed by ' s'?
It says 5 h 16 min
